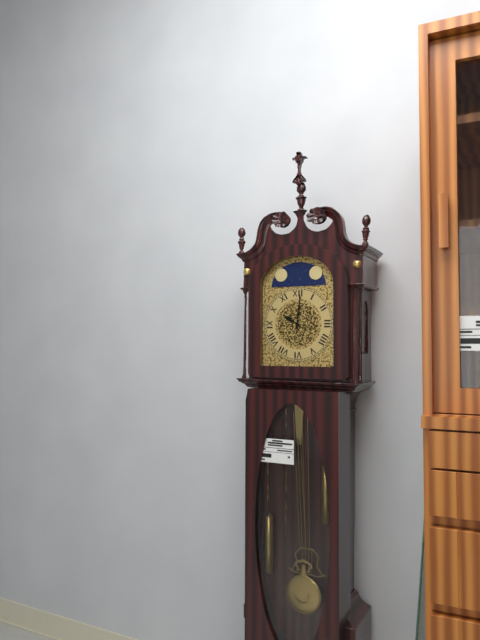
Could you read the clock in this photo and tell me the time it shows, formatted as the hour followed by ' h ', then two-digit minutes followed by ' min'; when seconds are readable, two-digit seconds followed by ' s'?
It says 10 h 01 min
